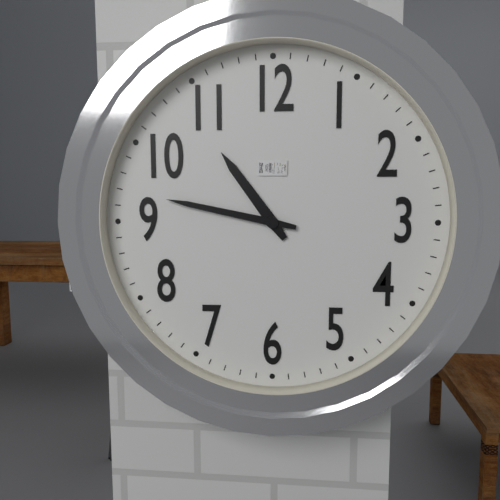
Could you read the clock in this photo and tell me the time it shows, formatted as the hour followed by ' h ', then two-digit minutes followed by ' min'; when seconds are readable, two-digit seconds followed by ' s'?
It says 10 h 47 min
